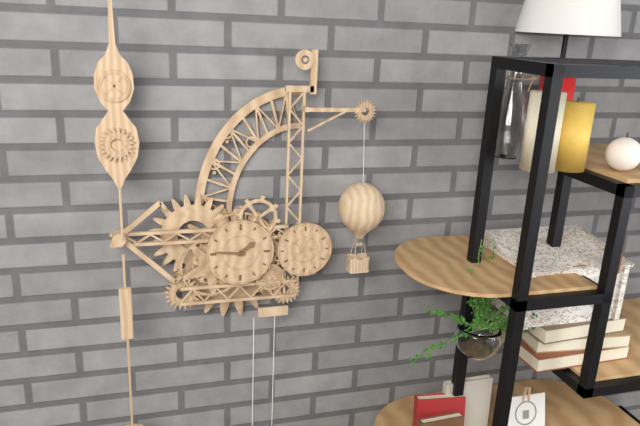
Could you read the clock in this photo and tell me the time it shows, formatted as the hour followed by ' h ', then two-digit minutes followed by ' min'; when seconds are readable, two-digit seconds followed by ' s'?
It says 1 h 46 min
